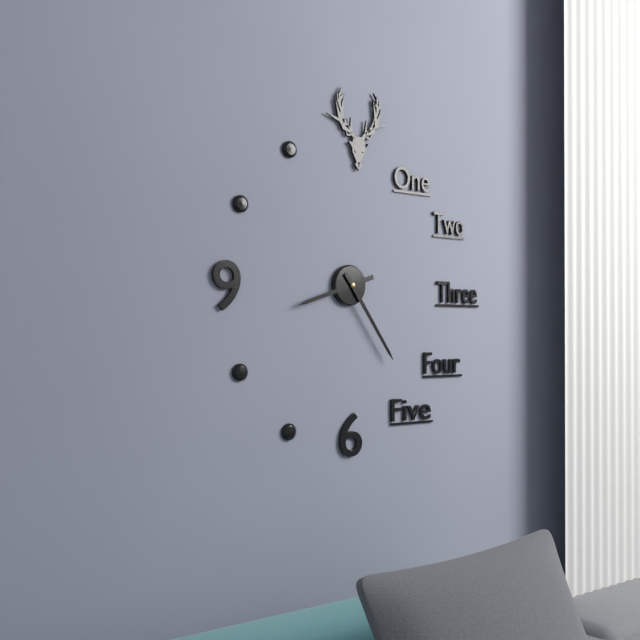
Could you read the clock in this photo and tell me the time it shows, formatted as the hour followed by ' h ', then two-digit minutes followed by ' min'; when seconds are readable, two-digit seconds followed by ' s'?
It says 8 h 24 min
